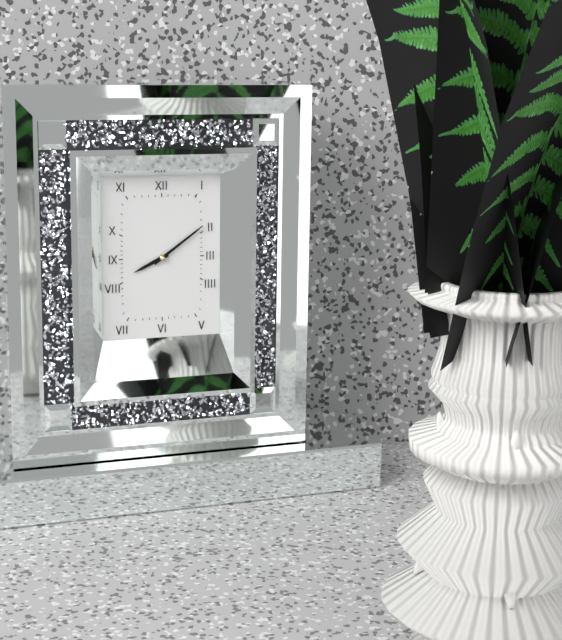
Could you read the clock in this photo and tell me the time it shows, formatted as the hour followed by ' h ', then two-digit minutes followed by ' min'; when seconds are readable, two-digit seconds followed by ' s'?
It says 8 h 09 min
